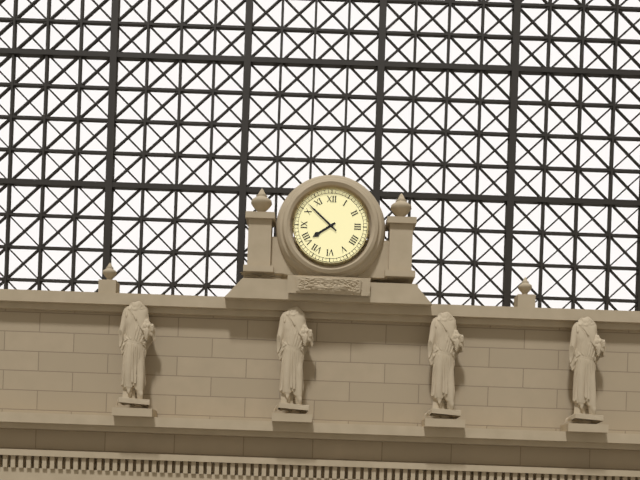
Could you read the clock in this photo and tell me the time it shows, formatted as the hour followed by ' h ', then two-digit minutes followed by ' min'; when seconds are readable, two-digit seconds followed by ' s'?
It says 7 h 52 min
